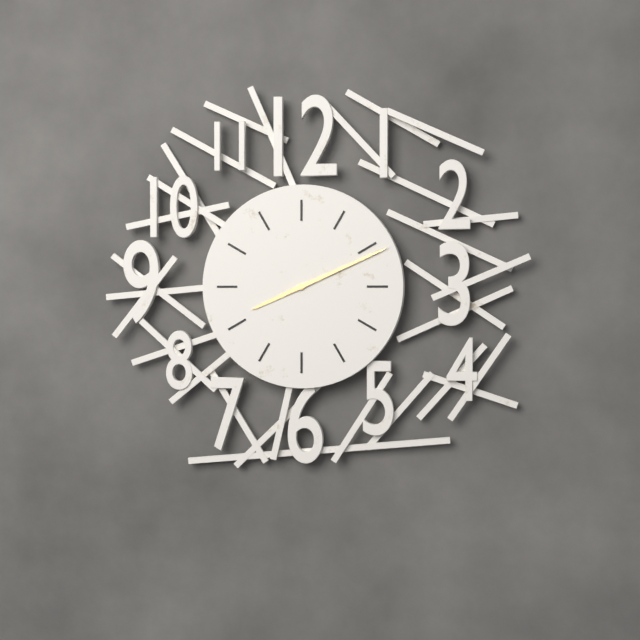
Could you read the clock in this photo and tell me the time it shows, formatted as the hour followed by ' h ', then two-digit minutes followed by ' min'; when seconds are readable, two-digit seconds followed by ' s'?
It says 8 h 11 min
